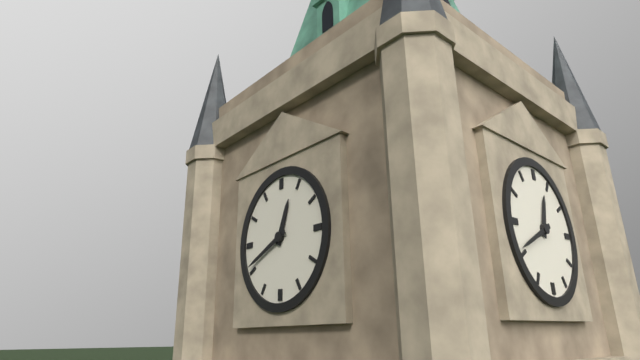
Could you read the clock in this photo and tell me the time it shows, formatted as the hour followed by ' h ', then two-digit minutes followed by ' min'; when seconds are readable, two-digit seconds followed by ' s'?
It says 12 h 41 min
